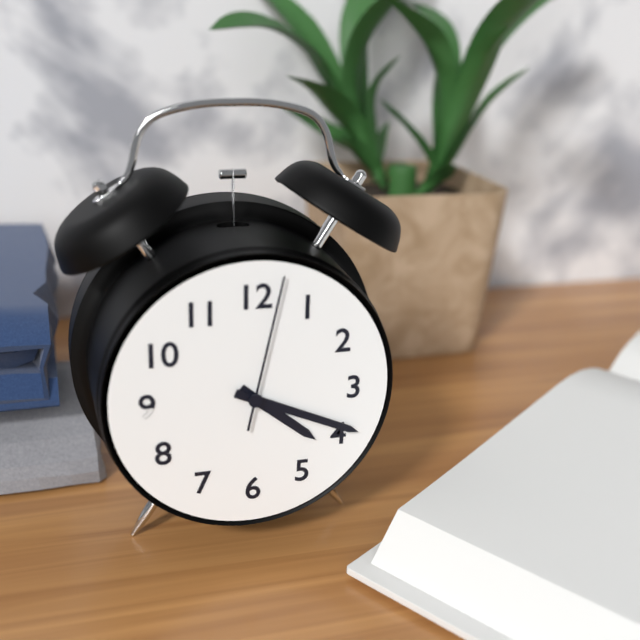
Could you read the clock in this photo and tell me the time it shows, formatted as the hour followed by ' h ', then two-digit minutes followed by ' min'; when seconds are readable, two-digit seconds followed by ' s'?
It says 4 h 19 min 02 s
